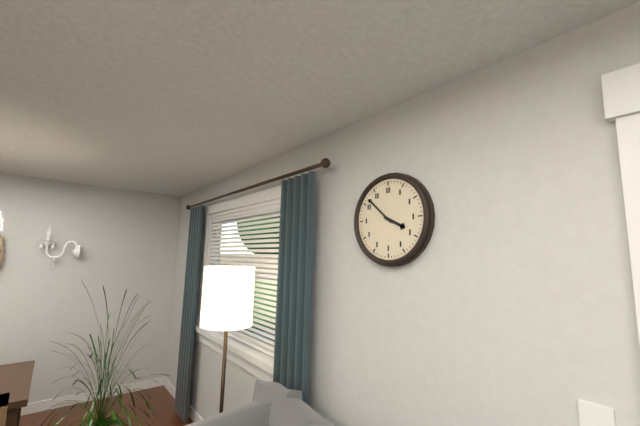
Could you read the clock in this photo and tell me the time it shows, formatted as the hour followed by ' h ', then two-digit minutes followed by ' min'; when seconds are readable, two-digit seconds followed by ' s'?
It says 3 h 52 min
